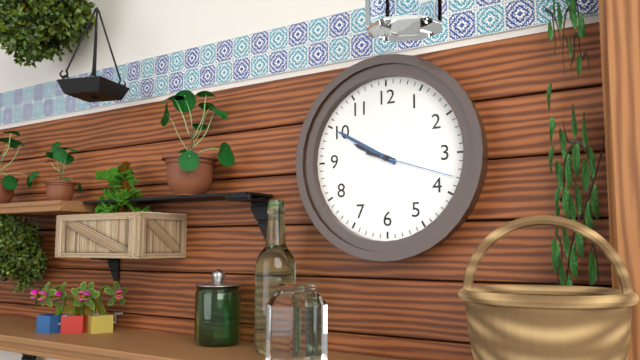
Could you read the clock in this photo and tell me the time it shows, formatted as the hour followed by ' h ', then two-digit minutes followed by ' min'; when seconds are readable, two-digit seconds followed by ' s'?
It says 9 h 50 min 18 s
